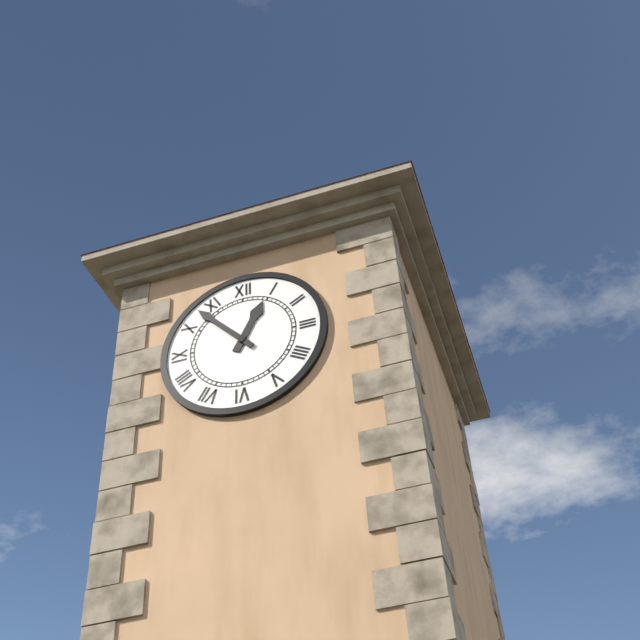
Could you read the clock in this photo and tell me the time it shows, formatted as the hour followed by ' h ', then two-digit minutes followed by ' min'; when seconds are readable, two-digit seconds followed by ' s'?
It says 12 h 53 min
